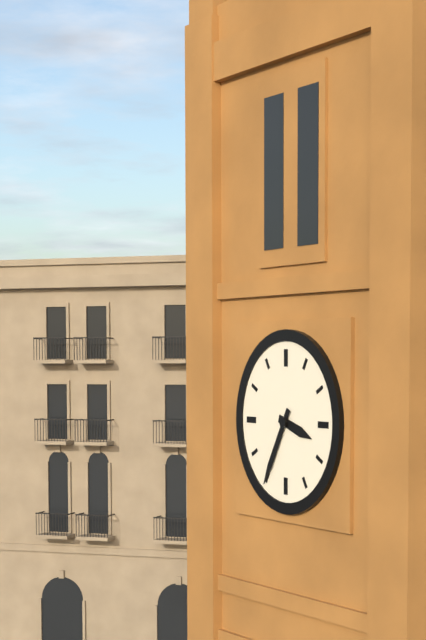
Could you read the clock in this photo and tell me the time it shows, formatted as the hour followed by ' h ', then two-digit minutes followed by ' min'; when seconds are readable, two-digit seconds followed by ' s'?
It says 3 h 35 min
